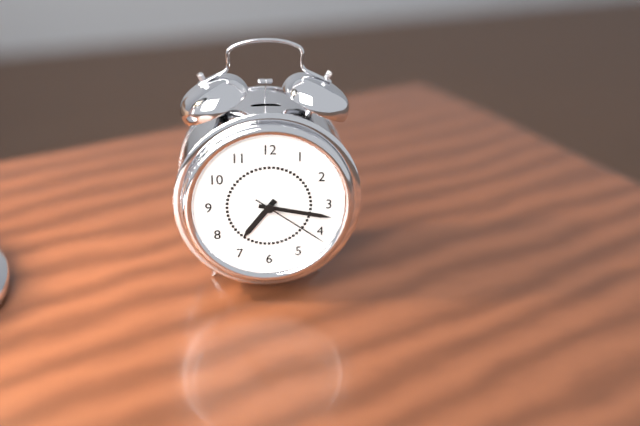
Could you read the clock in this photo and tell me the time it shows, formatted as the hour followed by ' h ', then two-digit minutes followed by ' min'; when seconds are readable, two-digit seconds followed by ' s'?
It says 7 h 17 min 21 s
